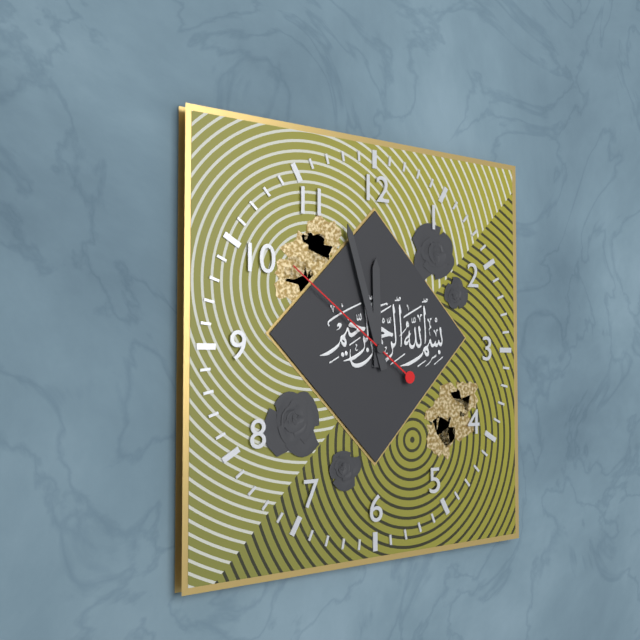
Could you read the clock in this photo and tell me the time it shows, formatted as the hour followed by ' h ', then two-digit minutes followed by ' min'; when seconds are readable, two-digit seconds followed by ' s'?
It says 11 h 57 min 51 s
